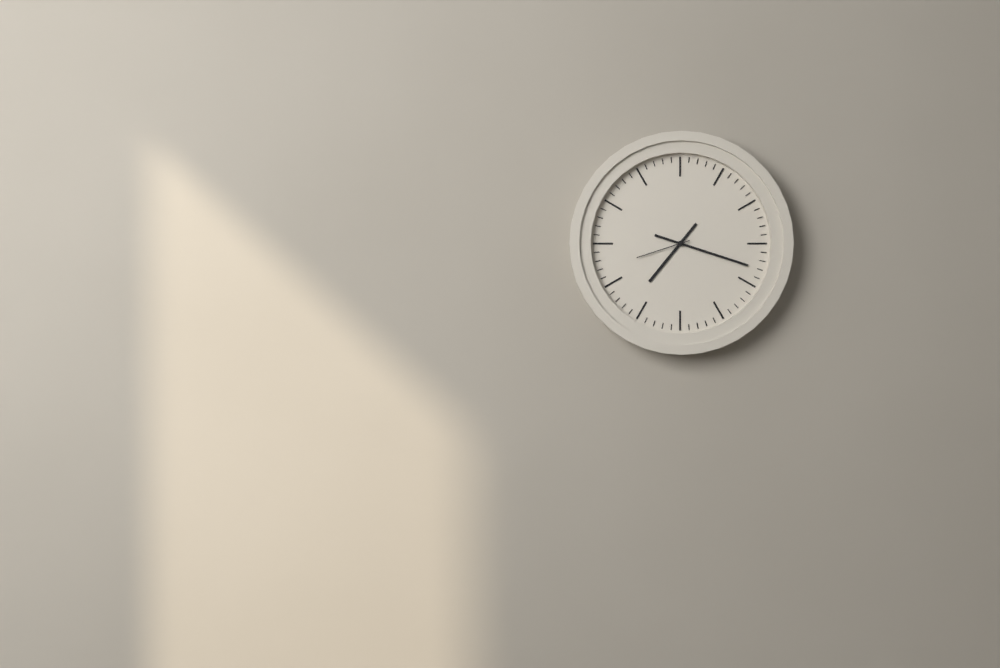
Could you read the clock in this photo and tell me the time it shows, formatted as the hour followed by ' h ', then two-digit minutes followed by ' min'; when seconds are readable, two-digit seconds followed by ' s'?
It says 7 h 18 min 42 s
